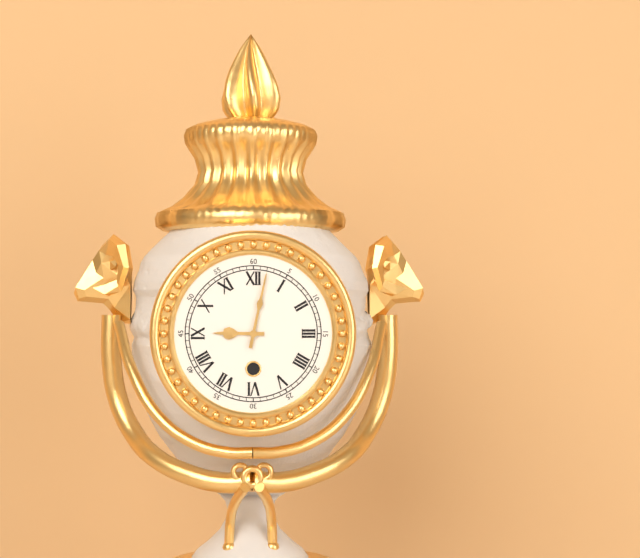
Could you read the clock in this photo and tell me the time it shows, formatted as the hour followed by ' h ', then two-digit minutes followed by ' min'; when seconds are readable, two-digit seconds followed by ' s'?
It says 9 h 02 min
